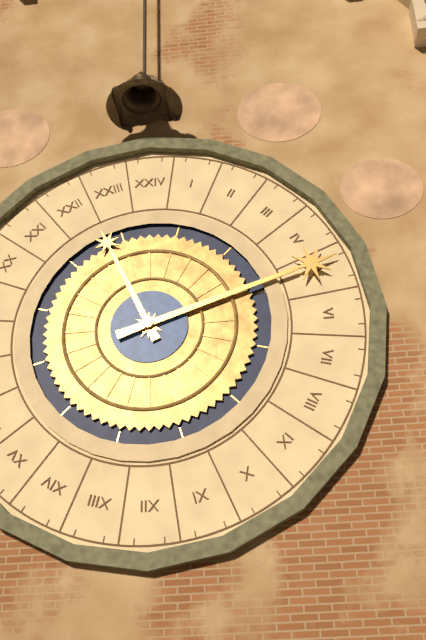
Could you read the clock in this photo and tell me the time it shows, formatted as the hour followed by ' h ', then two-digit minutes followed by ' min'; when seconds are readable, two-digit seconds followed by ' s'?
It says 11 h 12 min
